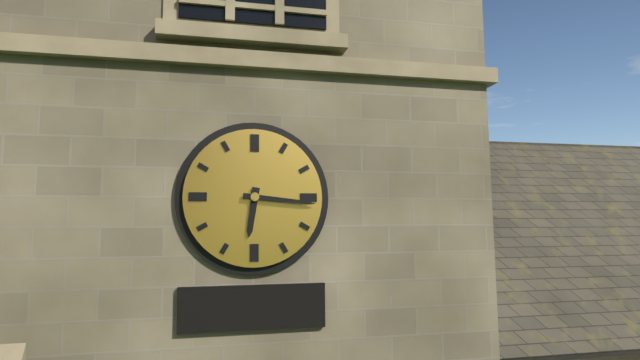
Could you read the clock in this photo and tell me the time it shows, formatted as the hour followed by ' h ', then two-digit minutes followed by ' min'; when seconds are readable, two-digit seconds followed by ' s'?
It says 6 h 16 min
